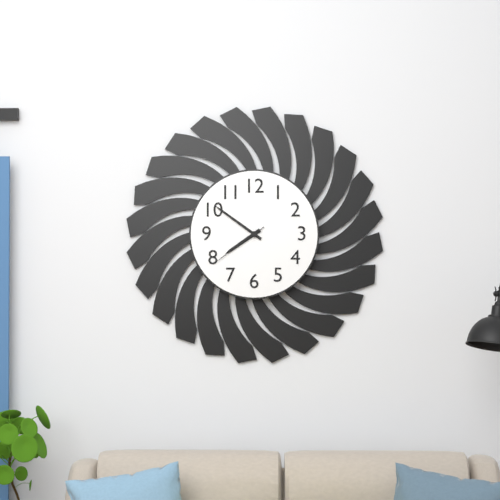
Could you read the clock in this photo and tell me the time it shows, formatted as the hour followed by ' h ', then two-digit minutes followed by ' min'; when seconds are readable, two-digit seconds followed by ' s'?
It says 7 h 51 min 39 s
